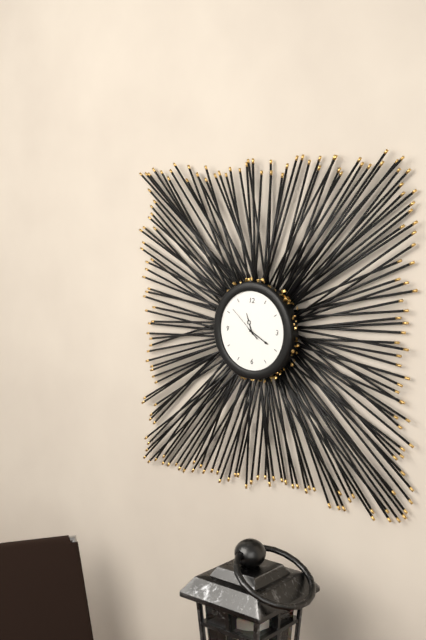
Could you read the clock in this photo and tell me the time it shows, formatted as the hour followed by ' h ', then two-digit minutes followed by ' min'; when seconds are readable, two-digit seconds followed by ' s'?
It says 11 h 20 min
